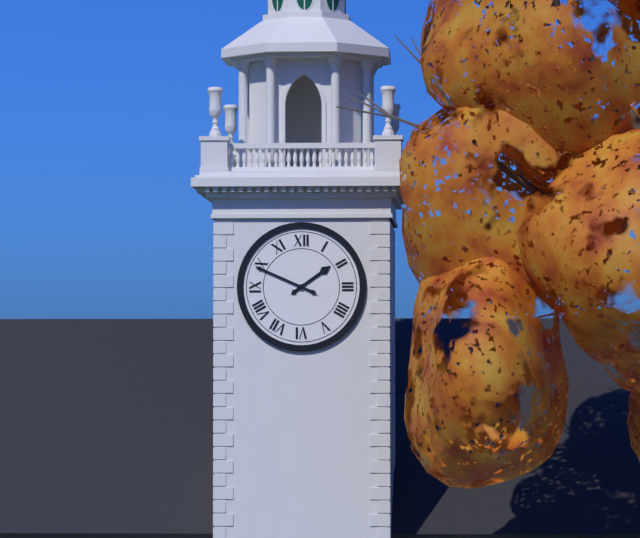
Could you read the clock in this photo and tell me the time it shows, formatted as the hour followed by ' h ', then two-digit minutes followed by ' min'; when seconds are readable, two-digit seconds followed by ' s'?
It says 1 h 49 min
